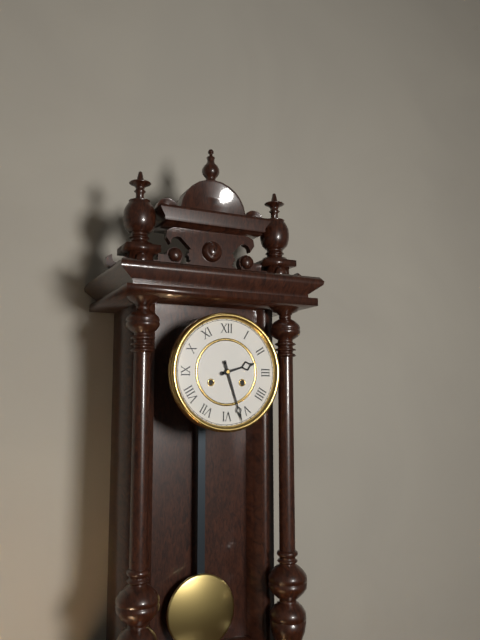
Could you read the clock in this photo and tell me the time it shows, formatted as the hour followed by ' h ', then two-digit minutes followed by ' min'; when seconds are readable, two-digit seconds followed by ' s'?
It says 2 h 27 min
